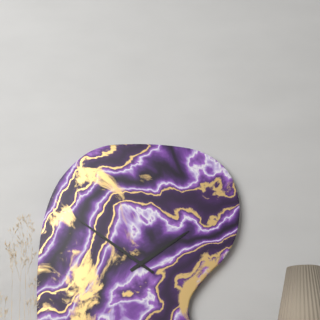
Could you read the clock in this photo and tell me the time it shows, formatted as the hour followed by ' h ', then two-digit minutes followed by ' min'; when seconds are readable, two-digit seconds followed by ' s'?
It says 1 h 51 min
